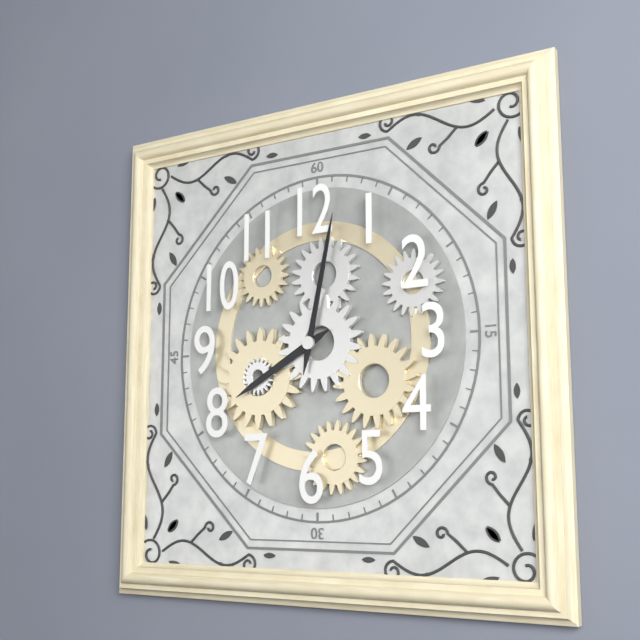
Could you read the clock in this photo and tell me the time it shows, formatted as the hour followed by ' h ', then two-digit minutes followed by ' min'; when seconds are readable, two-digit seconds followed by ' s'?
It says 8 h 02 min
